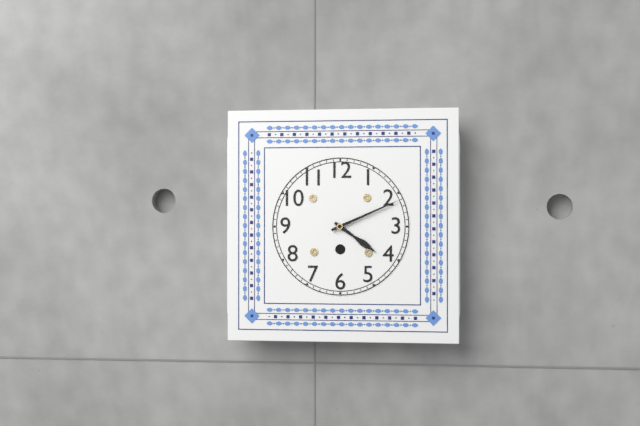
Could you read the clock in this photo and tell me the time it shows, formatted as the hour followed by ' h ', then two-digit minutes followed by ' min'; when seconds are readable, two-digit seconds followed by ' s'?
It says 4 h 11 min
